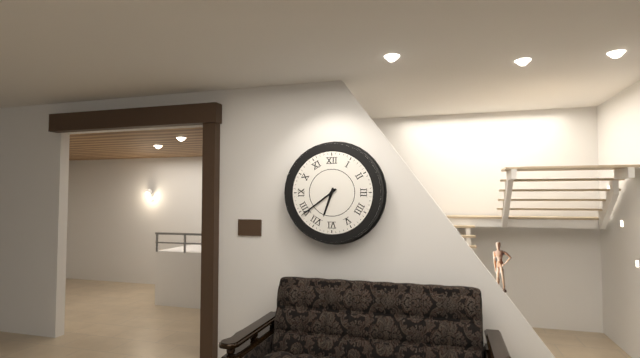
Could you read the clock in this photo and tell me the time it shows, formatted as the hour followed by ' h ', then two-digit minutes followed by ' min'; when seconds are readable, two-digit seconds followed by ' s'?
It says 6 h 39 min
